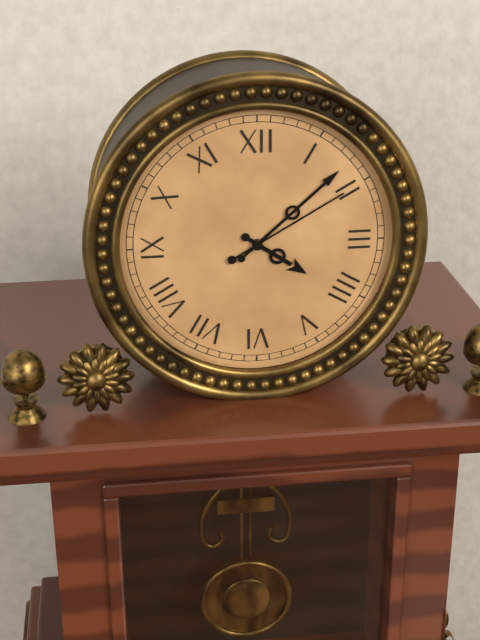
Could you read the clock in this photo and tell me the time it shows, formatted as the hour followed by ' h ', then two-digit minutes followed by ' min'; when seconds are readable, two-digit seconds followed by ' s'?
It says 4 h 08 min 10 s
